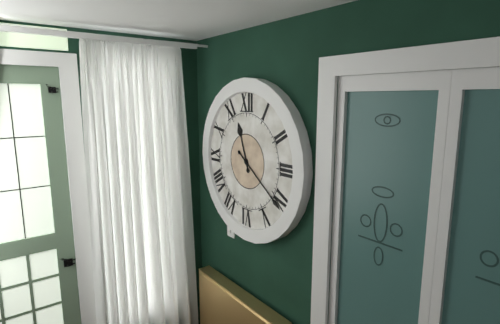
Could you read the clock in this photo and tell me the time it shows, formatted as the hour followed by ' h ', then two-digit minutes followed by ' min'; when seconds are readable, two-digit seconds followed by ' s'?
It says 11 h 21 min
